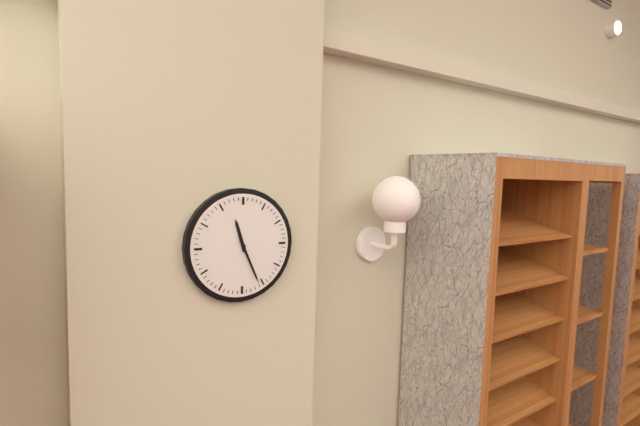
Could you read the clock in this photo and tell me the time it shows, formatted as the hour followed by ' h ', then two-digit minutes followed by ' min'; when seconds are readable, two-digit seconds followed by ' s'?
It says 11 h 26 min
